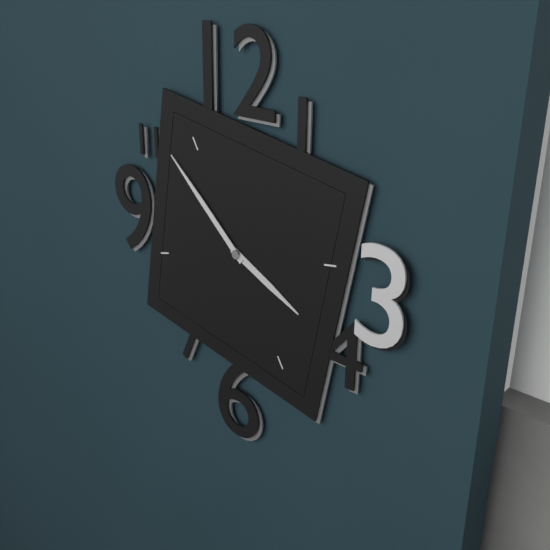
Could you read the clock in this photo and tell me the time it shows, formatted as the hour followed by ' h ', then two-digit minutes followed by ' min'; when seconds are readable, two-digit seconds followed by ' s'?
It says 3 h 52 min
